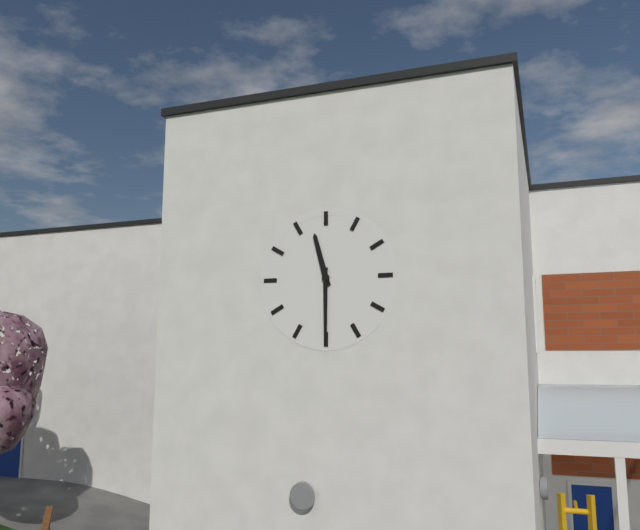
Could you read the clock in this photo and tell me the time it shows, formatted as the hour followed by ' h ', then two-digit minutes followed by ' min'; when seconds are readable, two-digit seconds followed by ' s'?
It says 11 h 30 min
